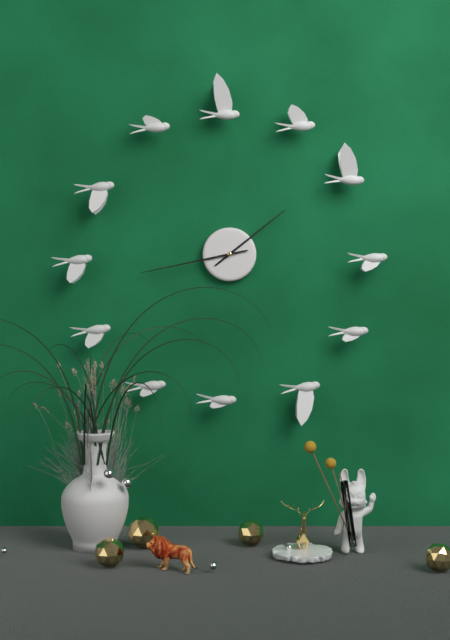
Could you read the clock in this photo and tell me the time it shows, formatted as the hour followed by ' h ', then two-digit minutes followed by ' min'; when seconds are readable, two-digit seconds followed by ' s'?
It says 1 h 43 min
